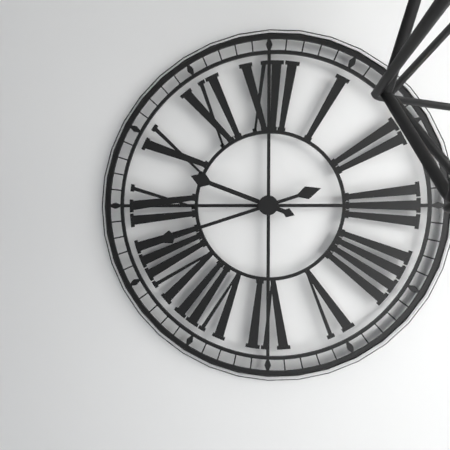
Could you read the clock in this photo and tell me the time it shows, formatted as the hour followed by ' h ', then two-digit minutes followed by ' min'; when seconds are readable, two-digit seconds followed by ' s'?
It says 9 h 42 min
